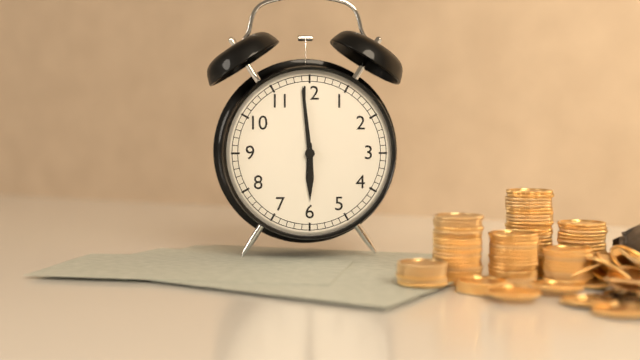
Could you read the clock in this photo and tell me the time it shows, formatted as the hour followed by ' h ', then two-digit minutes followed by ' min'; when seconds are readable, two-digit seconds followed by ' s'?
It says 5 h 59 min
